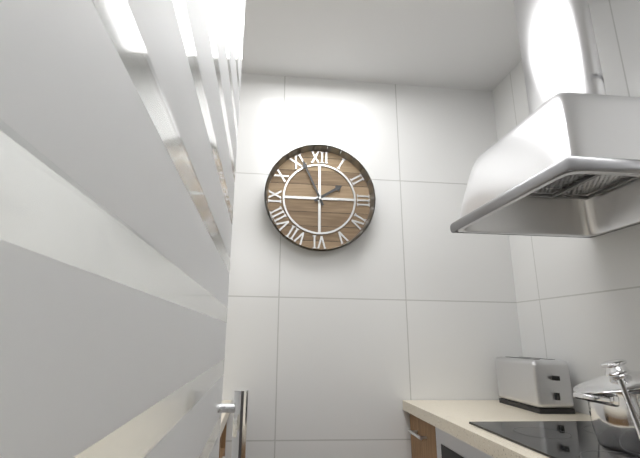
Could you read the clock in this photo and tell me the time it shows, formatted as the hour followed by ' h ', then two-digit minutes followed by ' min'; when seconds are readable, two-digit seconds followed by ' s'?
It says 1 h 56 min
